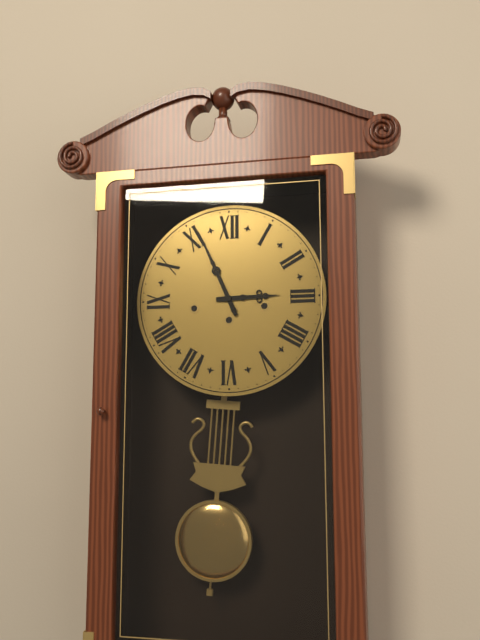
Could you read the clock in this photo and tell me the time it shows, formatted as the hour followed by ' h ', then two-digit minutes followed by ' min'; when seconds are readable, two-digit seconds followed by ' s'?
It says 2 h 56 min
